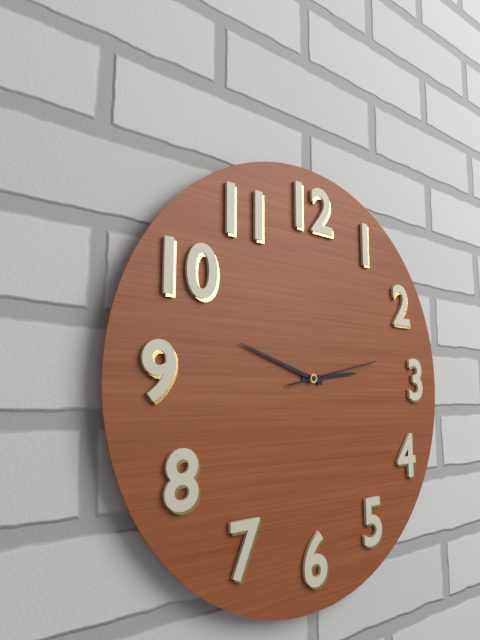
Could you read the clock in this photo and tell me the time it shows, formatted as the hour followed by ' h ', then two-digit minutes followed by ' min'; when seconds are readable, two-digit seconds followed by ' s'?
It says 2 h 48 min 13 s
